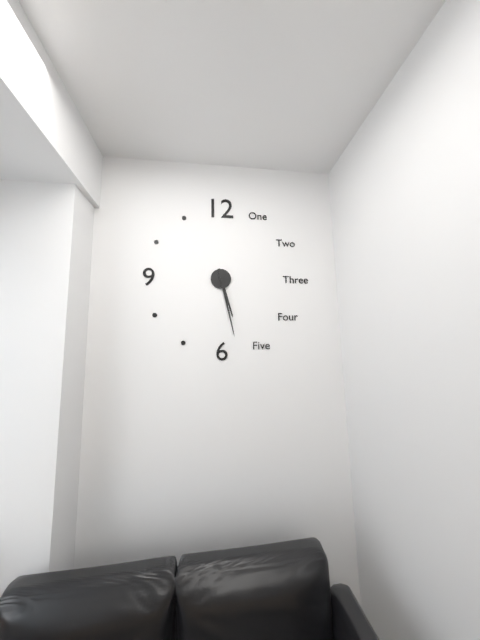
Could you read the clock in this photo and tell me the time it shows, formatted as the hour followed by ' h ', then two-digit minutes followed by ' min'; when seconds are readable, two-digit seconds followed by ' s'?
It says 5 h 28 min
